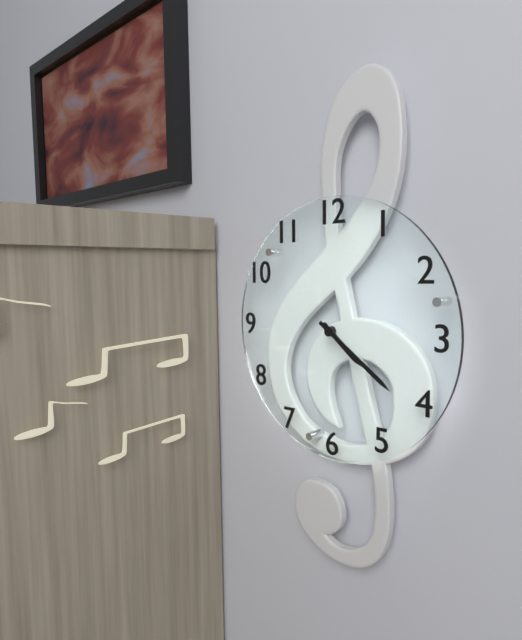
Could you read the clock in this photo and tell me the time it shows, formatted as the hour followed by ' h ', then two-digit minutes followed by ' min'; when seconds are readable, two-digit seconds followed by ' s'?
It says 4 h 21 min
